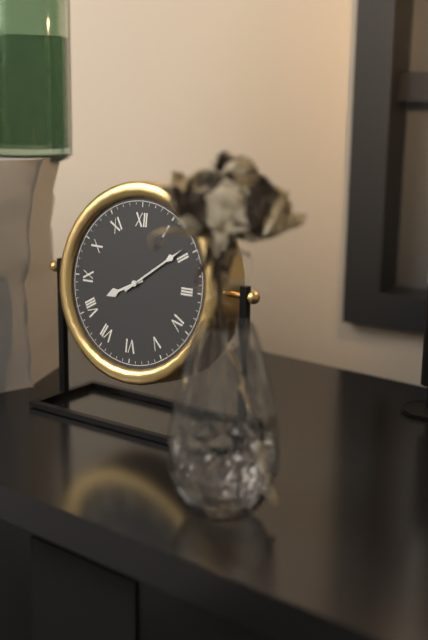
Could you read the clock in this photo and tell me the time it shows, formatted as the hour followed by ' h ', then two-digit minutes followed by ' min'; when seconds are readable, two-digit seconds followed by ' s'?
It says 8 h 09 min
